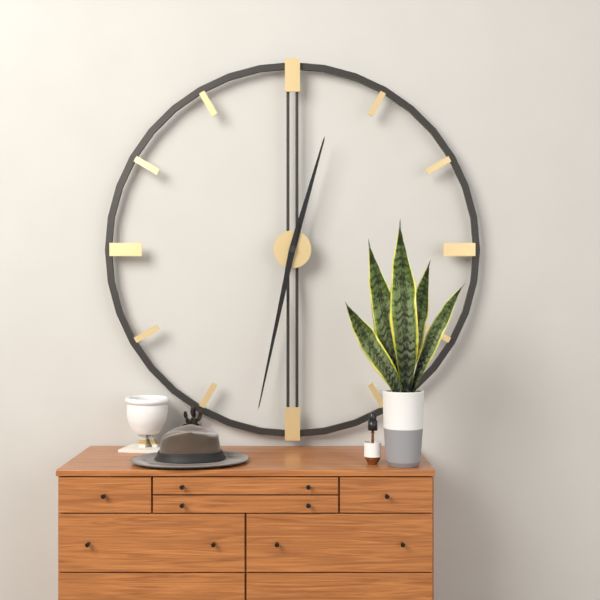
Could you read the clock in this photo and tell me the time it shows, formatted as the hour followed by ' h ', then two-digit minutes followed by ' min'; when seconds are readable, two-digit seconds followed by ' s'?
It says 12 h 32 min
